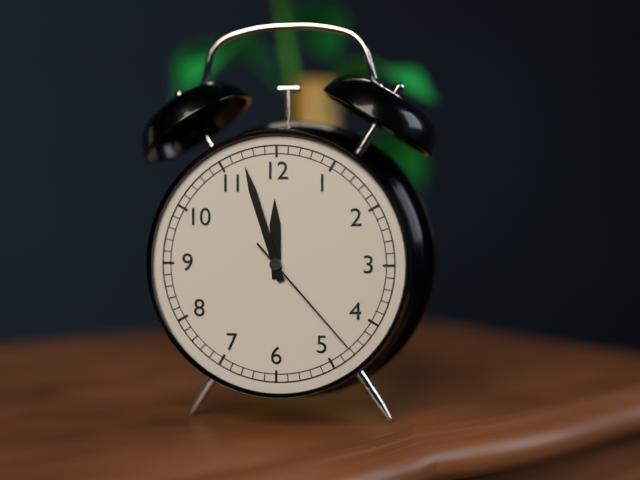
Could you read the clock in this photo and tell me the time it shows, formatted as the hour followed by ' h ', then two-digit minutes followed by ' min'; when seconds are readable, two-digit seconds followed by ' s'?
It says 11 h 57 min 23 s
